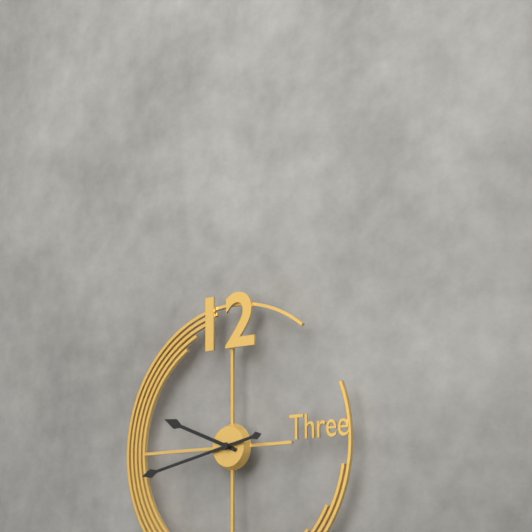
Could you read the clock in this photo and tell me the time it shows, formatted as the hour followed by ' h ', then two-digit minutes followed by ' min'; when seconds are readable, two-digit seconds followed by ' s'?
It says 9 h 43 min
